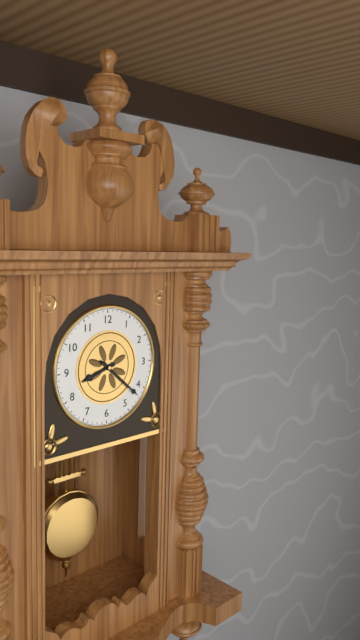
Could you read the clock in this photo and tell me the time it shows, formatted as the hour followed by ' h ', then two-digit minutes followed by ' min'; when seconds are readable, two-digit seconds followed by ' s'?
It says 8 h 22 min
